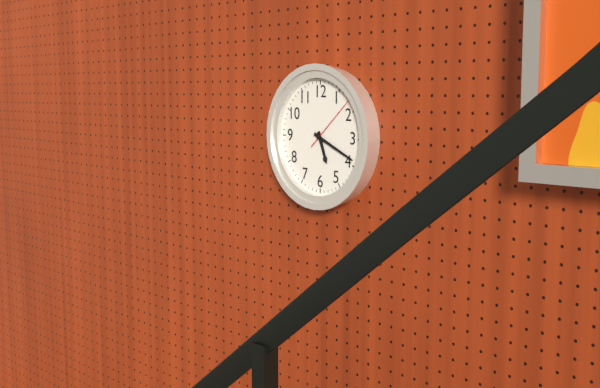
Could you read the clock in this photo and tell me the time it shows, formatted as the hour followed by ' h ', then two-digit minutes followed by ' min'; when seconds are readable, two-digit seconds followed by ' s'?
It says 5 h 19 min 08 s
